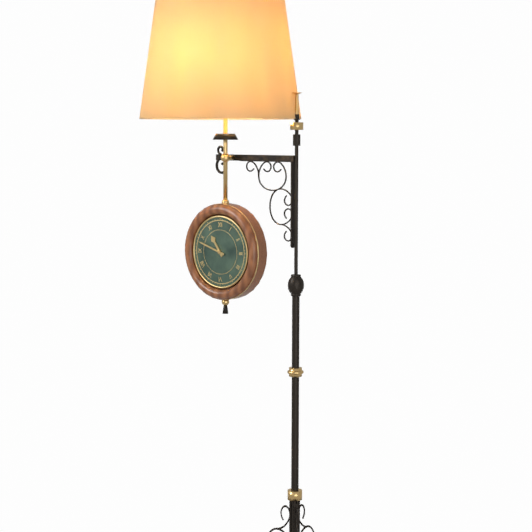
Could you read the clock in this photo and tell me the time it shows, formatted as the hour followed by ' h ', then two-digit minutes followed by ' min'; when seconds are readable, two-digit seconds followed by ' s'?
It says 10 h 48 min
